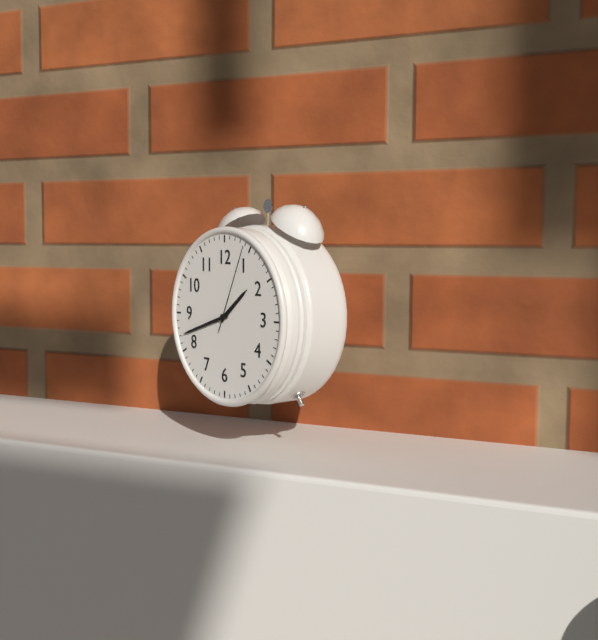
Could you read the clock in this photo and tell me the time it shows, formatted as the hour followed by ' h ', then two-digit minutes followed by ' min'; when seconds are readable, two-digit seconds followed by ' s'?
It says 1 h 42 min 04 s
